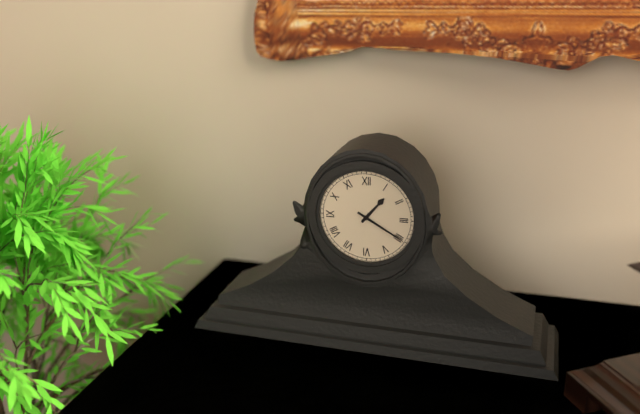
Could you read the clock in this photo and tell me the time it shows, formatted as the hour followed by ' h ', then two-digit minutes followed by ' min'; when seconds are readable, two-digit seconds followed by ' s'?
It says 1 h 20 min
